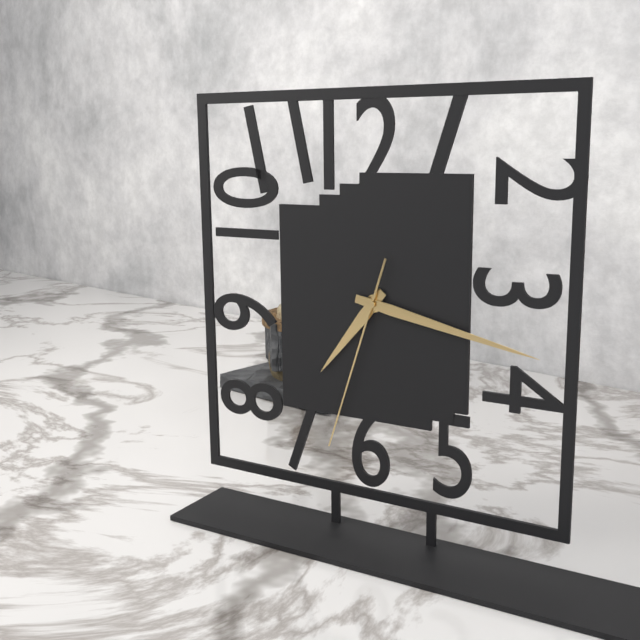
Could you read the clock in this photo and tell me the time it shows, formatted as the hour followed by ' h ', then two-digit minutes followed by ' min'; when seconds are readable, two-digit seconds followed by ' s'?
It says 7 h 17 min 33 s
